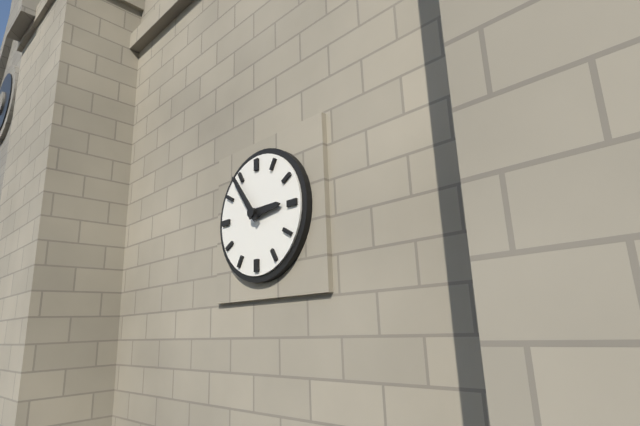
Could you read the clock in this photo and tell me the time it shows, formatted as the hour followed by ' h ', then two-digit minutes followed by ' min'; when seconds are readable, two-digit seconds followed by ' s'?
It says 2 h 54 min
